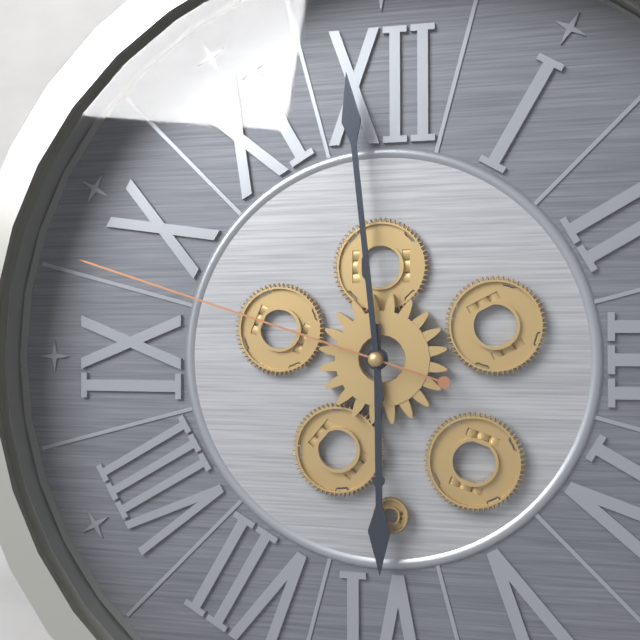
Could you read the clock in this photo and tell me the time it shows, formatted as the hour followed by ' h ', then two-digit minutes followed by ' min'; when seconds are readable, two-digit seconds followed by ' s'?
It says 5 h 59 min 48 s
